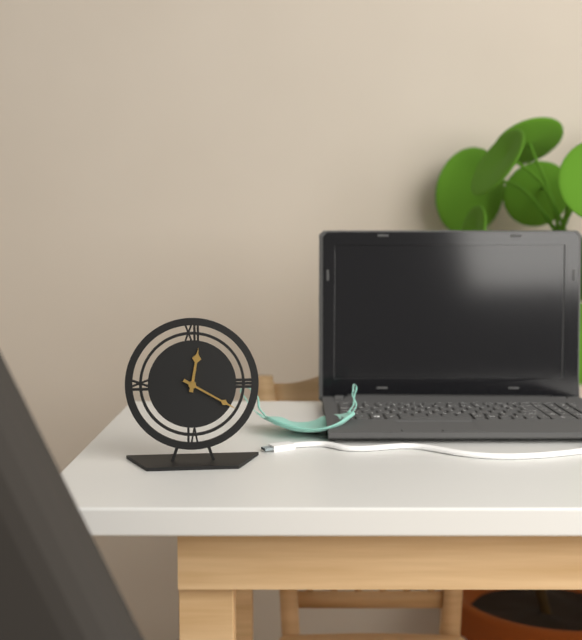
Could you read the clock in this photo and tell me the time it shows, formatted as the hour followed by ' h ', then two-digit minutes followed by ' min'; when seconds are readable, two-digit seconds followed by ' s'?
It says 12 h 20 min
